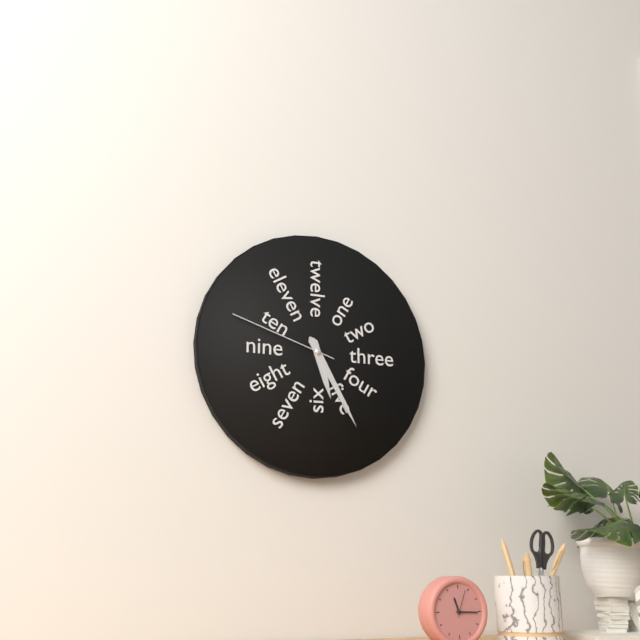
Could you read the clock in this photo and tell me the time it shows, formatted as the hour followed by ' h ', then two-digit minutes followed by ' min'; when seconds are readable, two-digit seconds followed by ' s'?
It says 5 h 25 min 48 s
